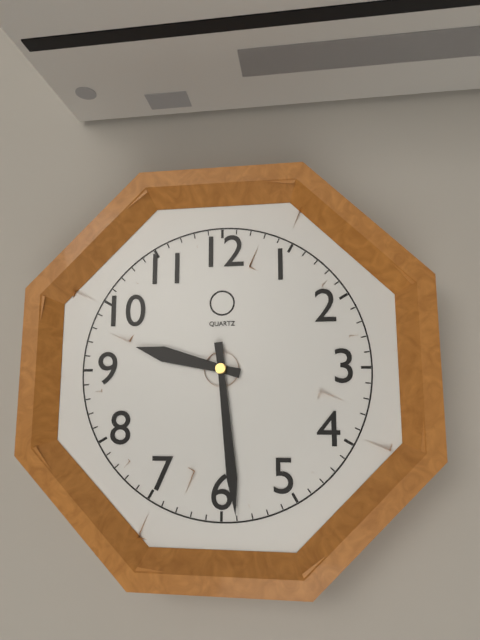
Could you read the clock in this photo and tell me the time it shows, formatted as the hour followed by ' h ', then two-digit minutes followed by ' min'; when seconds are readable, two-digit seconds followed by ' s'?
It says 9 h 29 min
